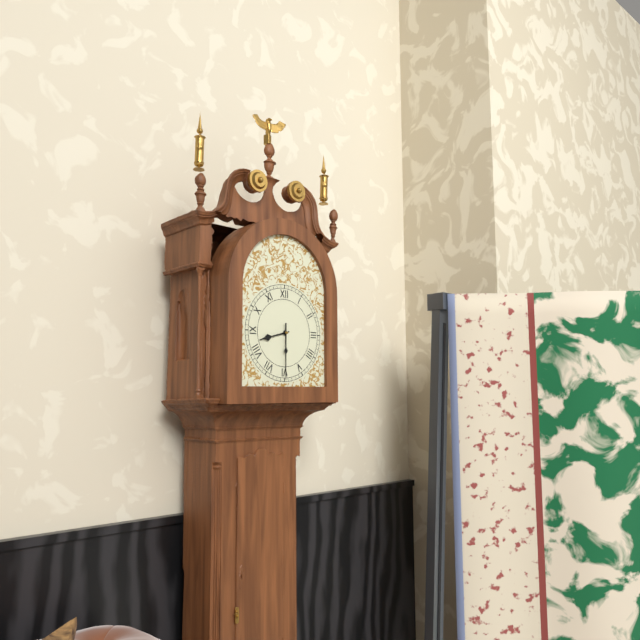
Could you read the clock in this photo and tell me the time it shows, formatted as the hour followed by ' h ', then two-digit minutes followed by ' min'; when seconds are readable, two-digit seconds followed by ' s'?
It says 8 h 30 min
